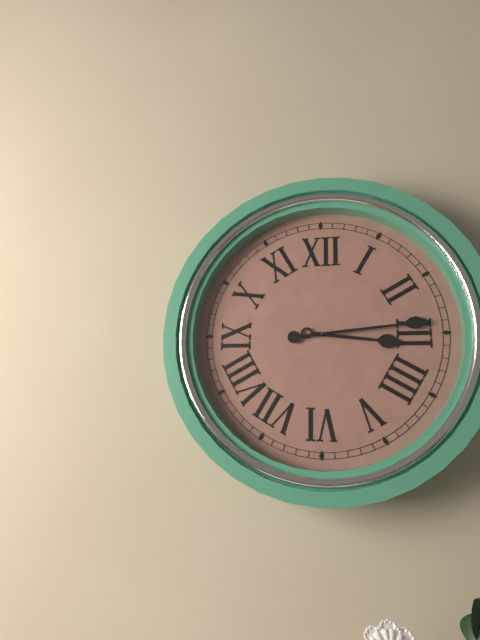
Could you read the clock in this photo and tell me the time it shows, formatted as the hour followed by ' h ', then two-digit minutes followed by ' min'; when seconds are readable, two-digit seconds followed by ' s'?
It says 3 h 14 min
